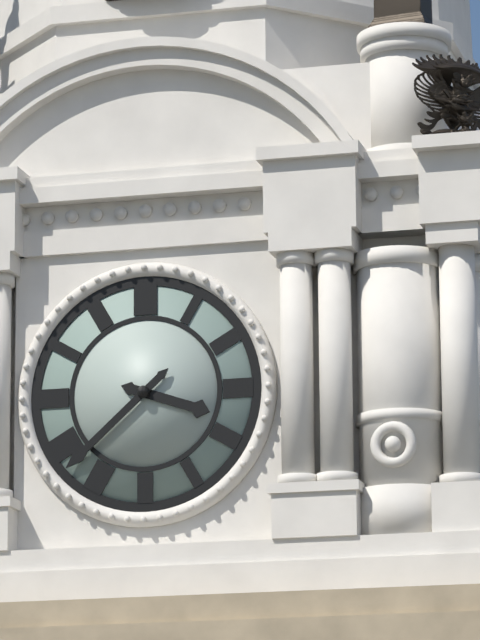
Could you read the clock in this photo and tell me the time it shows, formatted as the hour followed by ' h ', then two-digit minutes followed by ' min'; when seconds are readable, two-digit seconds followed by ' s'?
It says 3 h 38 min
